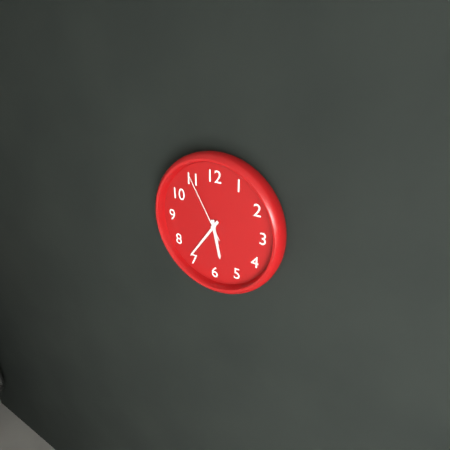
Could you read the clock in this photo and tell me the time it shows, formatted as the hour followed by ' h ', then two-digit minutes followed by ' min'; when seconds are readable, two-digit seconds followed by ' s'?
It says 5 h 36 min 55 s
